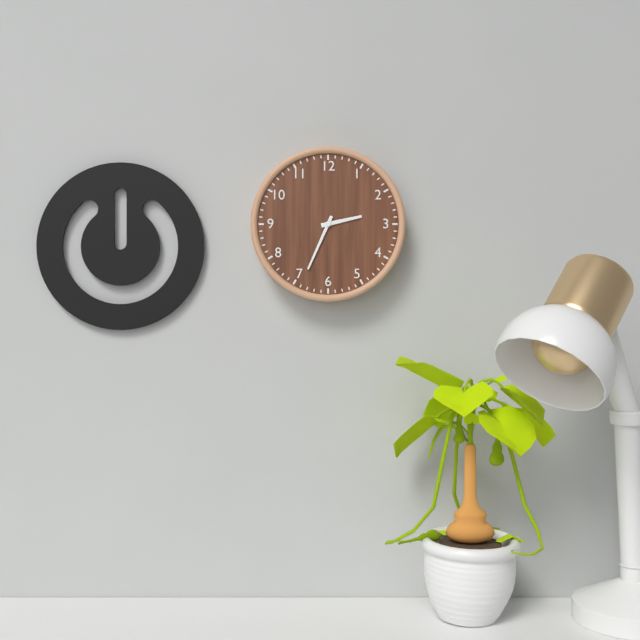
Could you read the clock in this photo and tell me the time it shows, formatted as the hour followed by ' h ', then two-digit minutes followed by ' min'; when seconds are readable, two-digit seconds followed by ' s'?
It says 2 h 34 min
